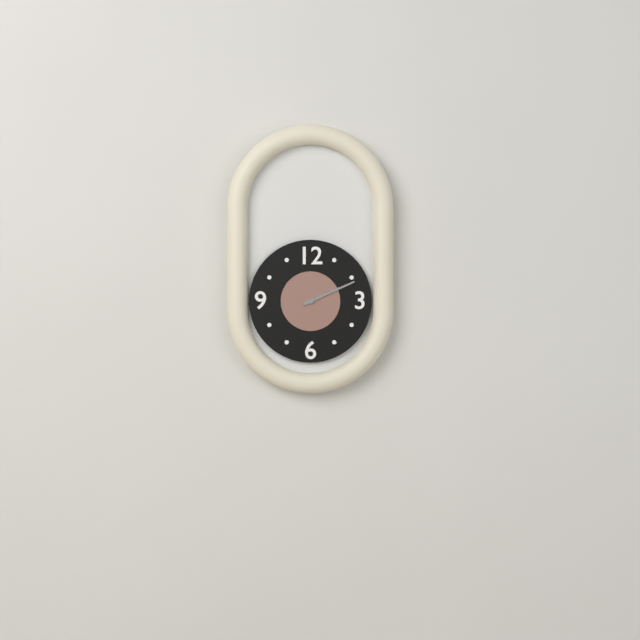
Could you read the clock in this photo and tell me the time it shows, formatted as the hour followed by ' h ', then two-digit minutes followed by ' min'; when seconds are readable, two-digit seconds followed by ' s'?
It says 2 h 11 min
